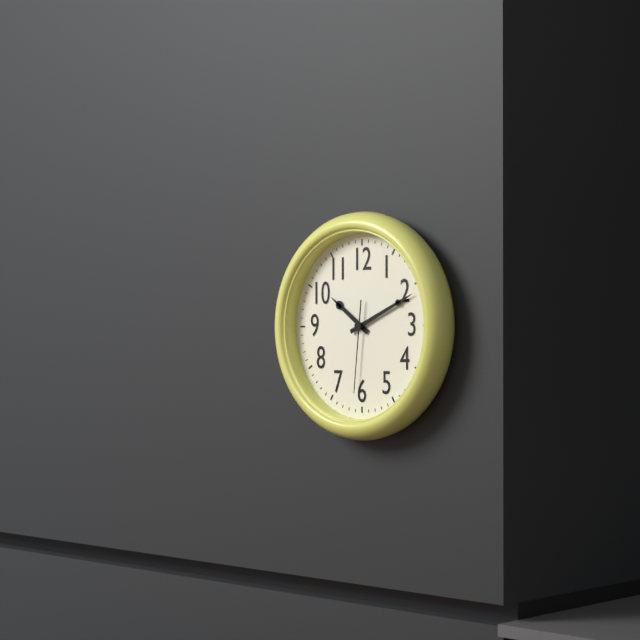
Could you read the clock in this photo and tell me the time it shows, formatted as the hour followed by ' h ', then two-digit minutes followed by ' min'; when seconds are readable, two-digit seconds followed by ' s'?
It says 10 h 11 min 31 s
